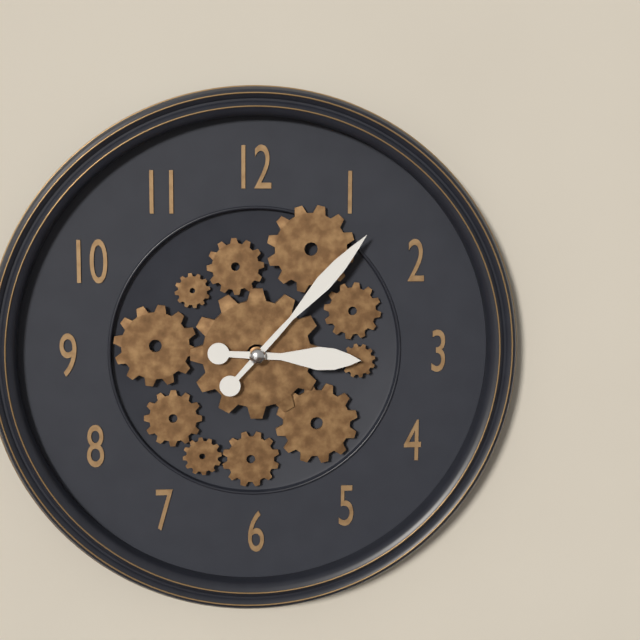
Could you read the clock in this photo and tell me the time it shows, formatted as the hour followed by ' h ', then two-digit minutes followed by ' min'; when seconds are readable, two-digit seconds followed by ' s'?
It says 3 h 07 min
